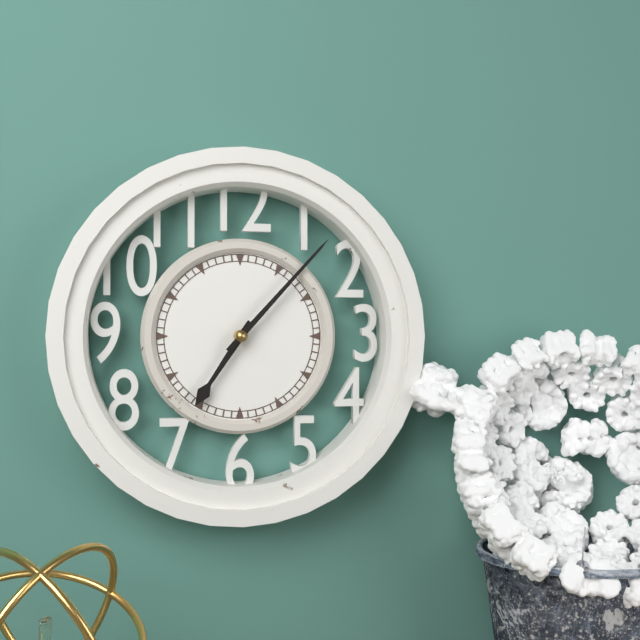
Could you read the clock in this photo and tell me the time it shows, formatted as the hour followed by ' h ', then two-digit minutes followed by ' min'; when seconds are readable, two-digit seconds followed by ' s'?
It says 7 h 07 min
